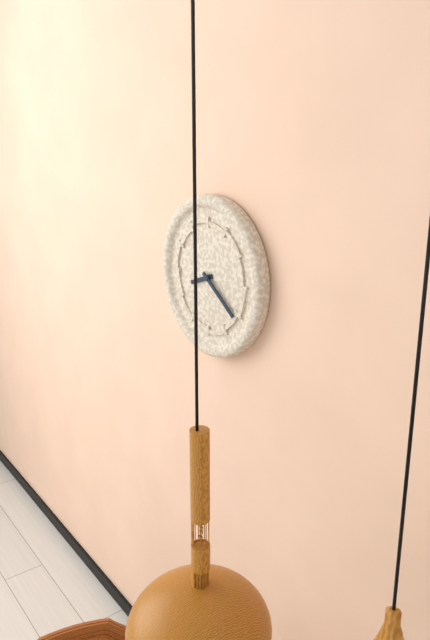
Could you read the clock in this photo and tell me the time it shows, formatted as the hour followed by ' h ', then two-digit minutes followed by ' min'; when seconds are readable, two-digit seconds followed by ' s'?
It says 8 h 21 min
